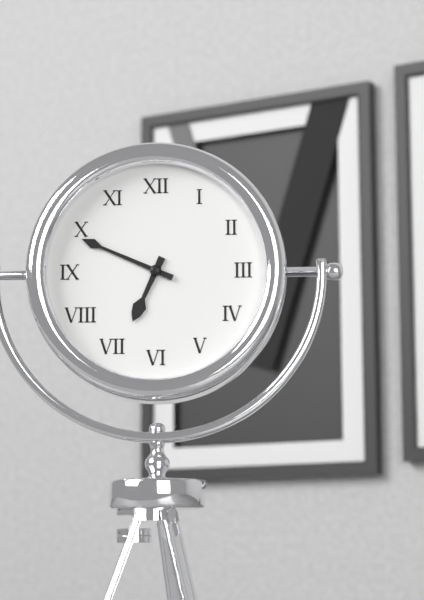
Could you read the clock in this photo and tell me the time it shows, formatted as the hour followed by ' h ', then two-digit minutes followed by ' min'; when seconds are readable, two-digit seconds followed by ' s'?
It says 6 h 49 min
